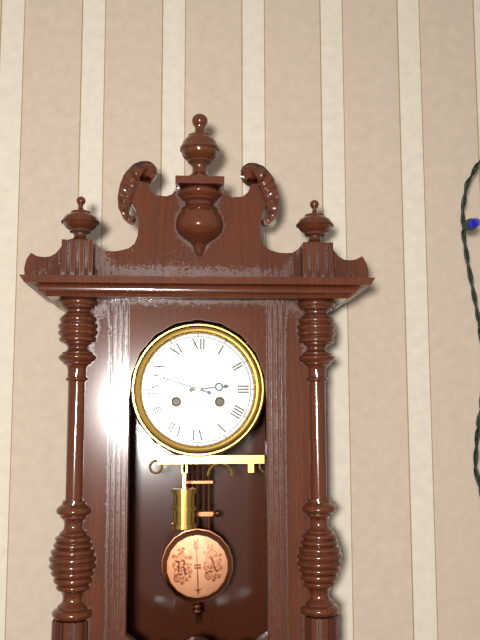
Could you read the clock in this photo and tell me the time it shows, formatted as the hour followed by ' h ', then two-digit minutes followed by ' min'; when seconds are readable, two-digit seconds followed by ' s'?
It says 2 h 48 min
